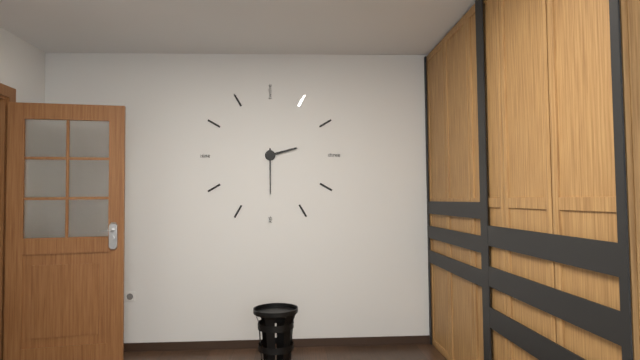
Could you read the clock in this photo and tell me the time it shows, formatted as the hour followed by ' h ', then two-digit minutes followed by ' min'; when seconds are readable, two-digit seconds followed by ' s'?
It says 2 h 30 min
